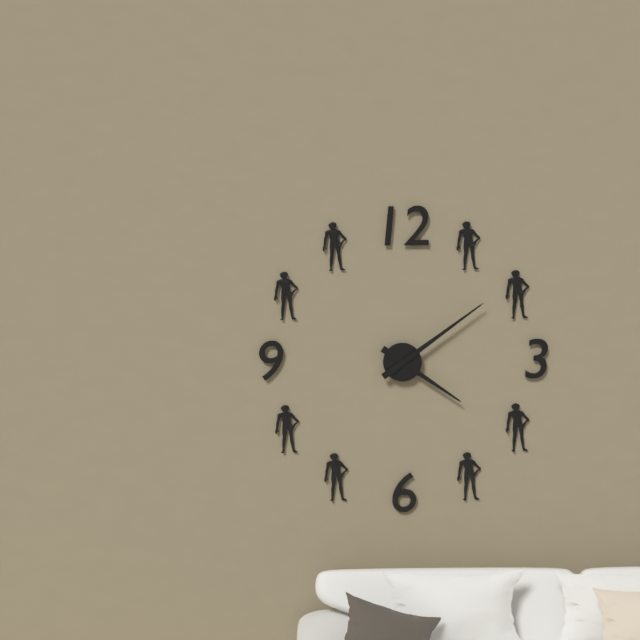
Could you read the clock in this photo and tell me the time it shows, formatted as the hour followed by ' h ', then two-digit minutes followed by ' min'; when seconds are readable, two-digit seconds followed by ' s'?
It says 4 h 09 min
